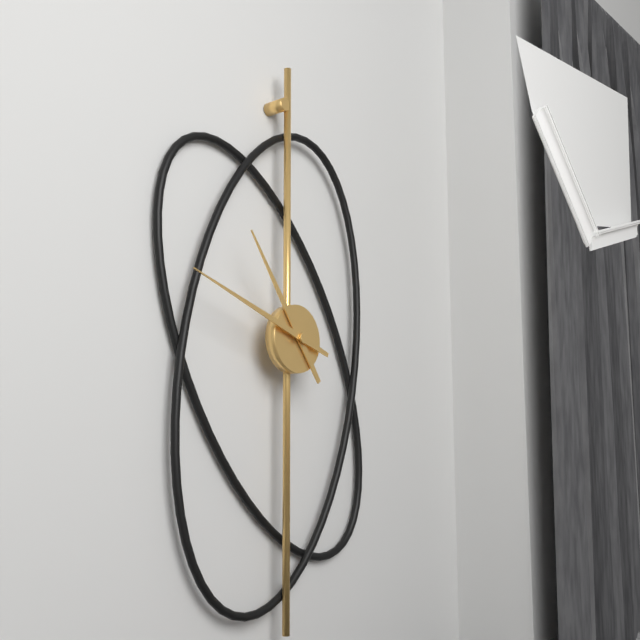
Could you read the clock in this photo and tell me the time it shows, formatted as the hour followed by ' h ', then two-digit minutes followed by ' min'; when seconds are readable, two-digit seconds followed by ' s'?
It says 10 h 48 min
